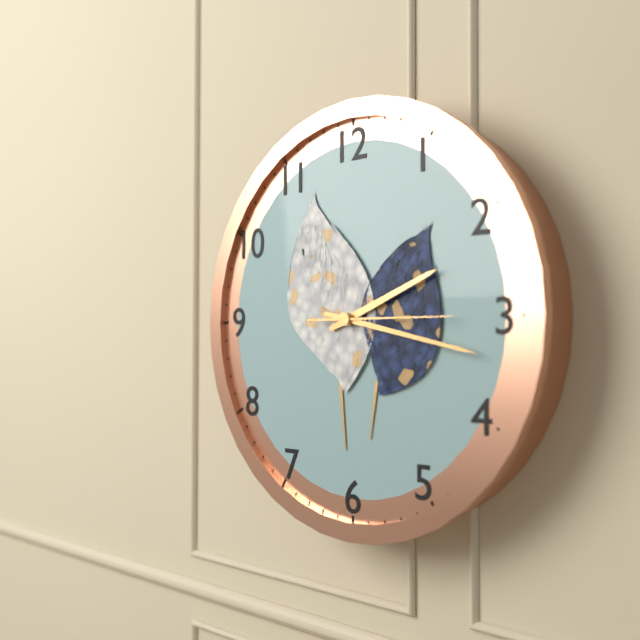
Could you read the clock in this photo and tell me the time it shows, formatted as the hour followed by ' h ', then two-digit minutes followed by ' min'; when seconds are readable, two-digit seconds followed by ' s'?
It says 2 h 17 min 15 s
